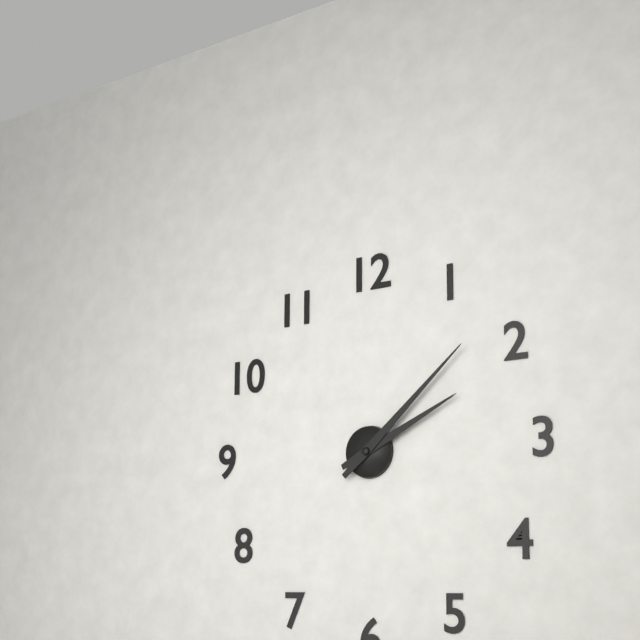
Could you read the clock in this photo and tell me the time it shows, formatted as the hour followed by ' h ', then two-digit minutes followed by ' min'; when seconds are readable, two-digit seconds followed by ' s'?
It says 2 h 08 min
